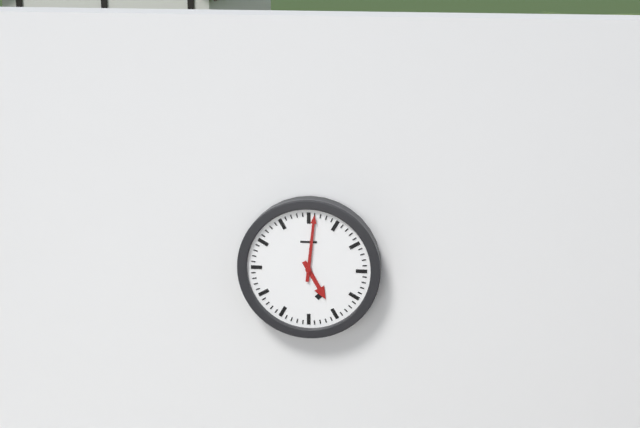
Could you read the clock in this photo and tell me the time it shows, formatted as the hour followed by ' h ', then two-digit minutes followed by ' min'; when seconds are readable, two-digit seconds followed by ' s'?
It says 5 h 01 min
